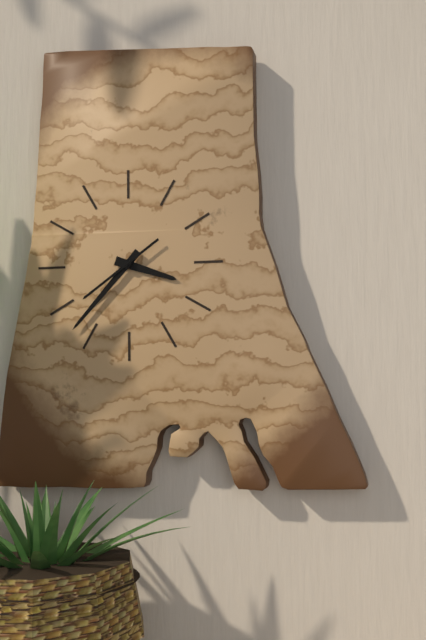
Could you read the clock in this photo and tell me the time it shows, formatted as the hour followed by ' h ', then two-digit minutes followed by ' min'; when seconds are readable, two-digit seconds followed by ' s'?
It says 3 h 37 min 39 s
